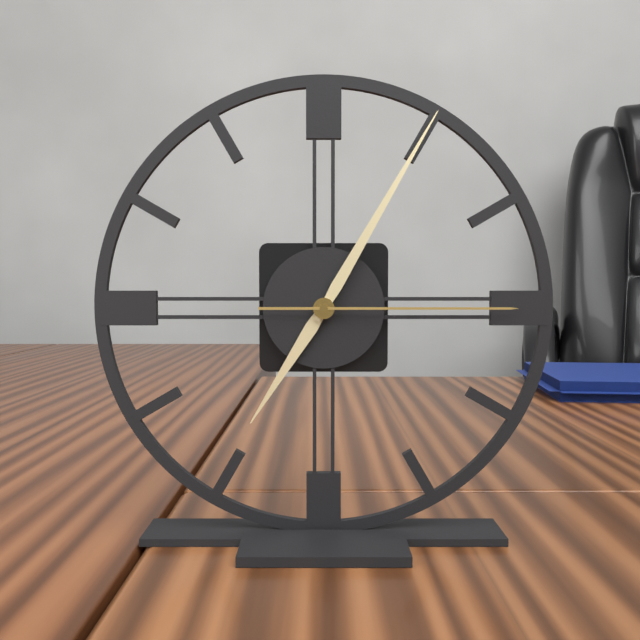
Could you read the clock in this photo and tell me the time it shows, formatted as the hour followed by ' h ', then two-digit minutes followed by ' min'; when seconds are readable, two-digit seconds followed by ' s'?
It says 7 h 05 min 15 s
